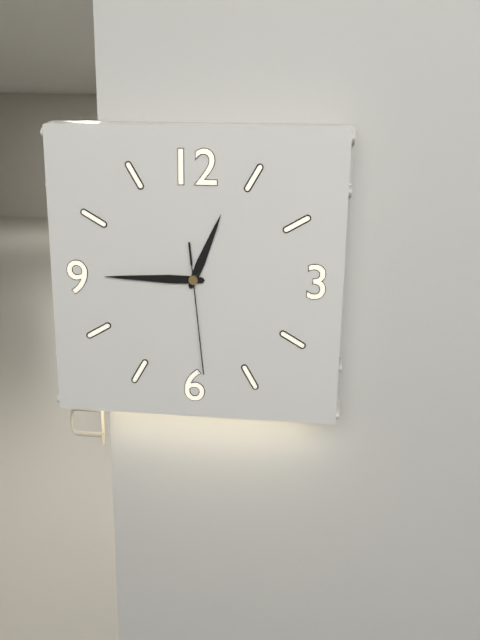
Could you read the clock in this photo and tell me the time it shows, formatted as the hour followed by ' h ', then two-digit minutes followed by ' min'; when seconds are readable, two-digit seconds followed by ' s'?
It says 12 h 45 min 29 s
